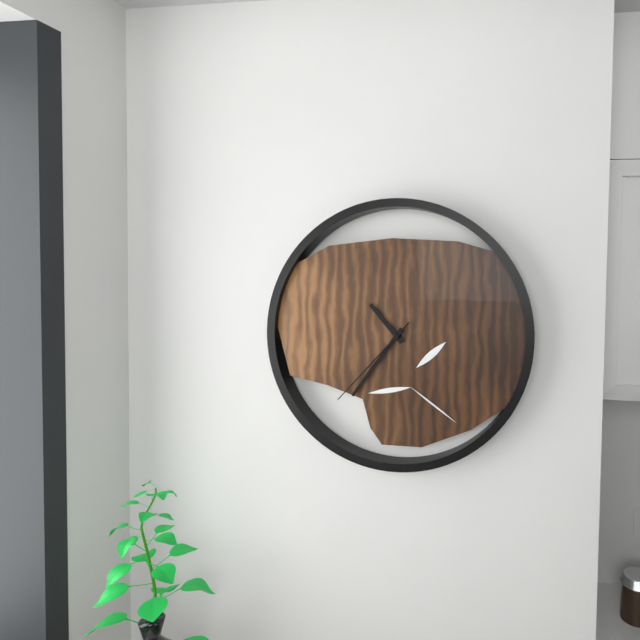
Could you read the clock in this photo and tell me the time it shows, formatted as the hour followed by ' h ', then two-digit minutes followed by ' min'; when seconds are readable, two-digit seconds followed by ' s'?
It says 10 h 36 min 37 s
